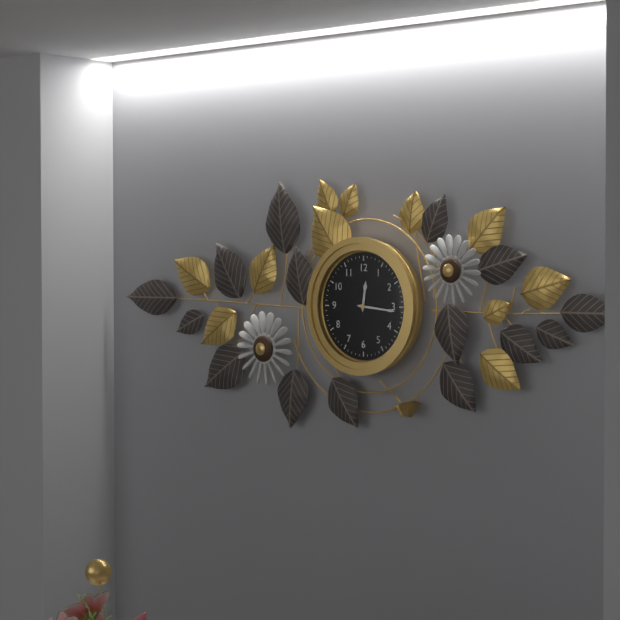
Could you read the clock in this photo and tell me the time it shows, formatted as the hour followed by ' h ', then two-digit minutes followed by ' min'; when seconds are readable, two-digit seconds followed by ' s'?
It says 12 h 16 min
